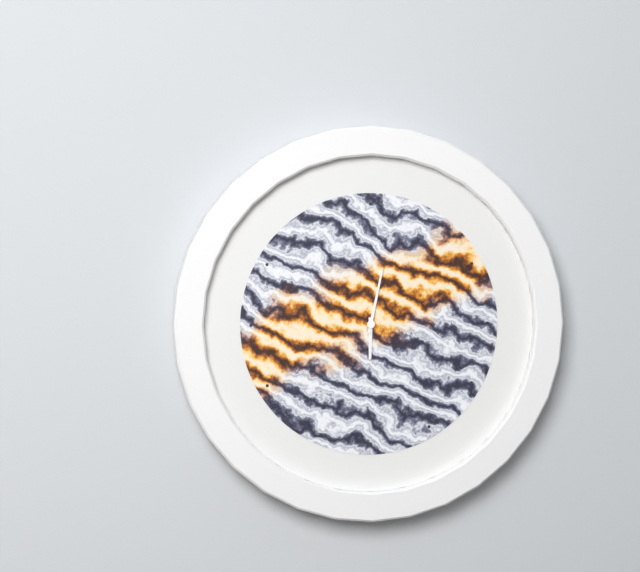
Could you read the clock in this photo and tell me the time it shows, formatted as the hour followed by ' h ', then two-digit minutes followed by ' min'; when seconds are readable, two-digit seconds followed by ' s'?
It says 6 h 02 min
